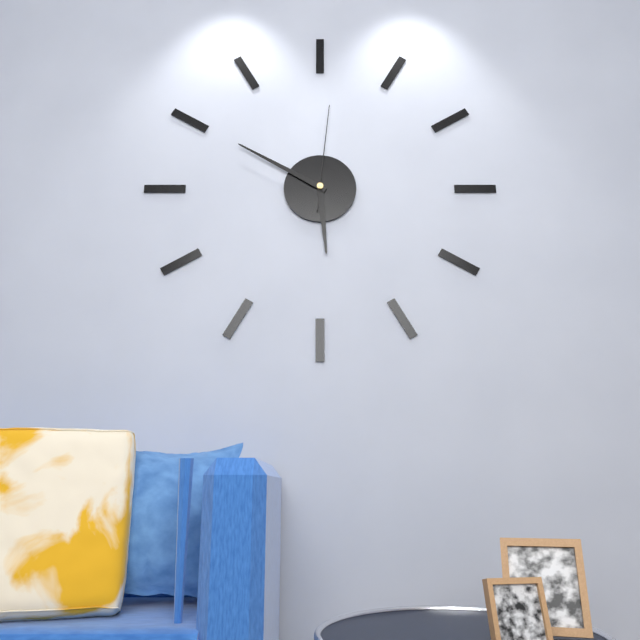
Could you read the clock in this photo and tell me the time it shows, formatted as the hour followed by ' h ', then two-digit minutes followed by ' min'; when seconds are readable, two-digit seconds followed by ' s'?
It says 5 h 50 min 01 s
